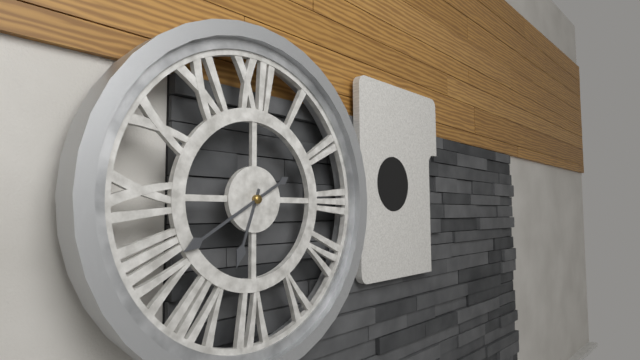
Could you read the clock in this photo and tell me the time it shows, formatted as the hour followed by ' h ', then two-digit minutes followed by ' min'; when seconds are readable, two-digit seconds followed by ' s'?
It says 6 h 40 min
